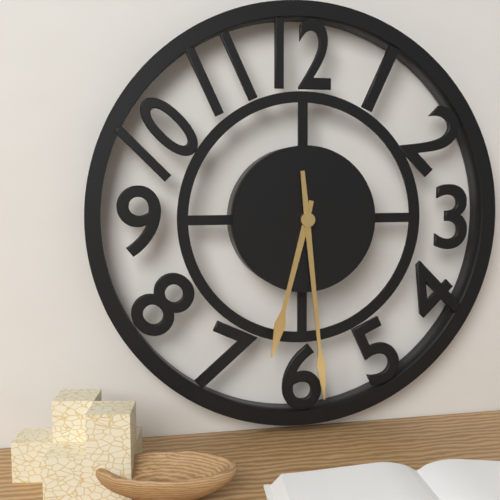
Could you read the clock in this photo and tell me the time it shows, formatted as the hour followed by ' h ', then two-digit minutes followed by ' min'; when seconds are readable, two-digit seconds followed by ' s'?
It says 6 h 29 min
